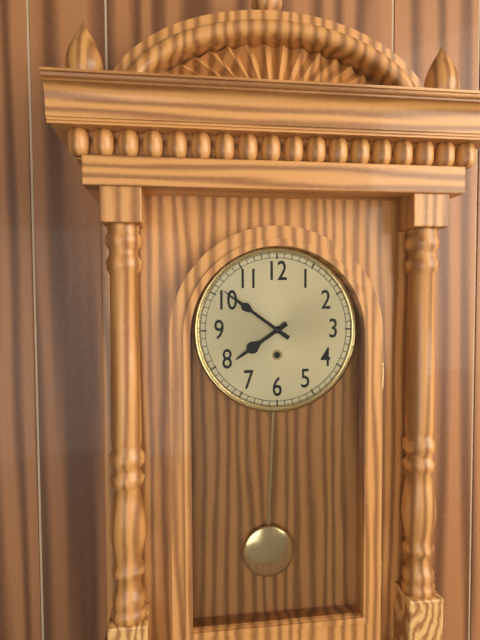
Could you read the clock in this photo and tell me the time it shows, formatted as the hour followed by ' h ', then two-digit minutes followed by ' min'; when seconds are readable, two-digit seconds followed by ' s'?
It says 7 h 51 min
